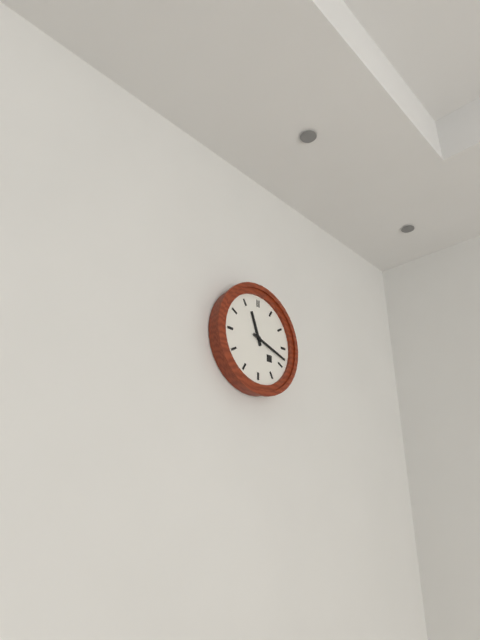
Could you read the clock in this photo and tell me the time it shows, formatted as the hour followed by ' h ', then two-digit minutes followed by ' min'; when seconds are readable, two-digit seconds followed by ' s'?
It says 11 h 18 min
